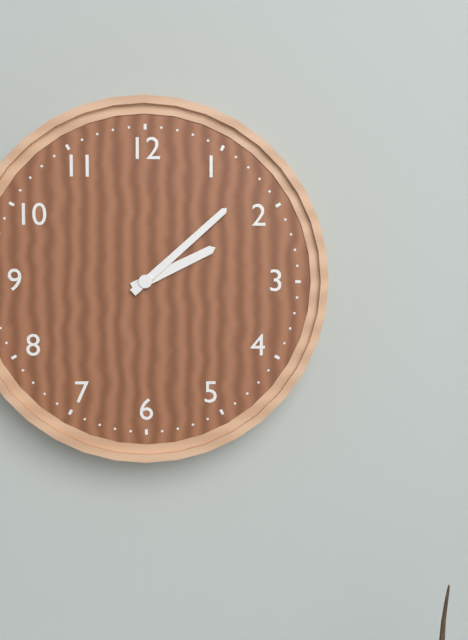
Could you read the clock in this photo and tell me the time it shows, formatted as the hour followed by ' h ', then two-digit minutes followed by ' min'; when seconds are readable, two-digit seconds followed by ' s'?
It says 2 h 08 min
